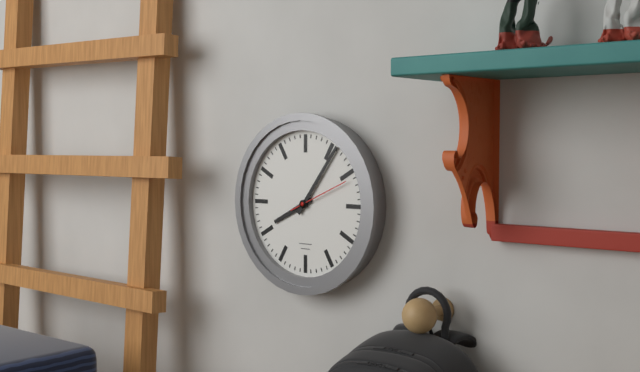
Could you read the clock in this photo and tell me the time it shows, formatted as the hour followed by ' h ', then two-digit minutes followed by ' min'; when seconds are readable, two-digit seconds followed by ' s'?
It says 8 h 06 min 11 s
